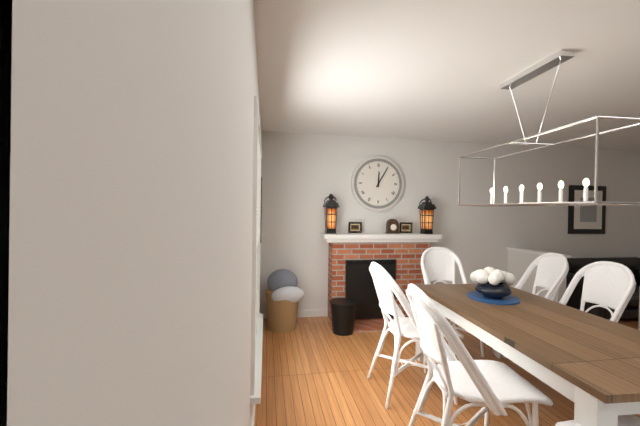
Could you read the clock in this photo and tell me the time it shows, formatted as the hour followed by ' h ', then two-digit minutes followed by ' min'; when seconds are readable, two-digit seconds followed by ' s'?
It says 12 h 05 min
